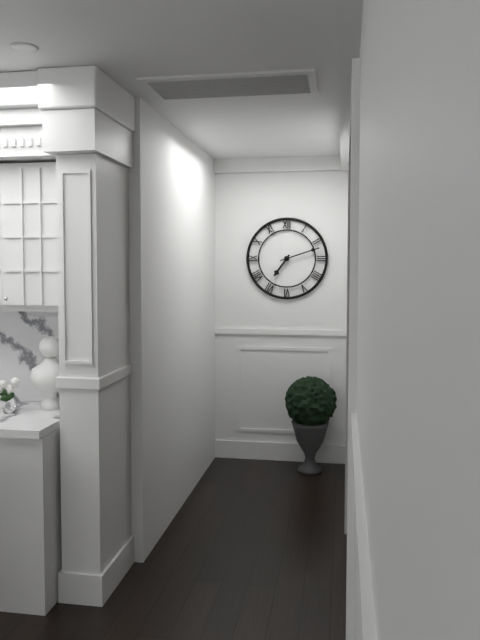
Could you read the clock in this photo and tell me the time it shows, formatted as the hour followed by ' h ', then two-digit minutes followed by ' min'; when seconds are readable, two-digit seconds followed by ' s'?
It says 7 h 12 min
